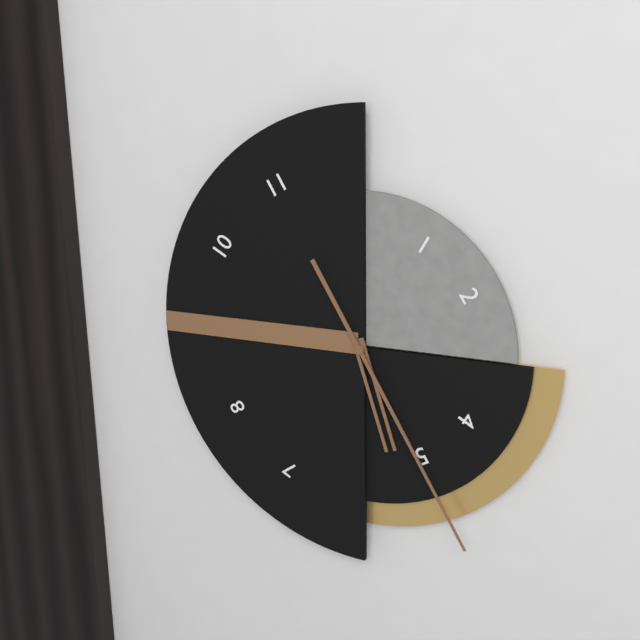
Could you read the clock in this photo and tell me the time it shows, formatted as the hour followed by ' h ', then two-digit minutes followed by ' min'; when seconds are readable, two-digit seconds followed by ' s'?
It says 5 h 25 min
